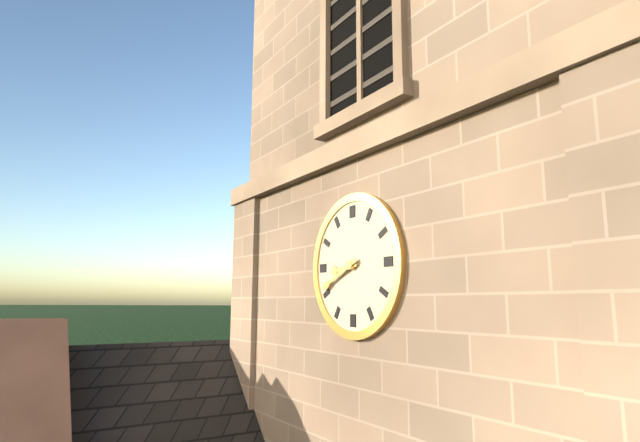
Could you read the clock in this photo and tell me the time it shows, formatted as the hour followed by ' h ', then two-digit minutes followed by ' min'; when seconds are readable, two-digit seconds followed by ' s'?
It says 8 h 41 min
